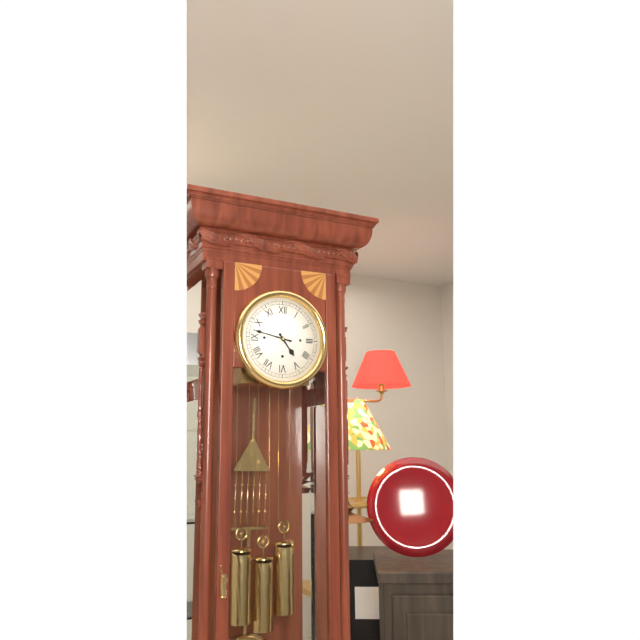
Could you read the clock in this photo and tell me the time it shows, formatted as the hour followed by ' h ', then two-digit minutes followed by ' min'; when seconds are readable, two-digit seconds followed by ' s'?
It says 4 h 47 min
